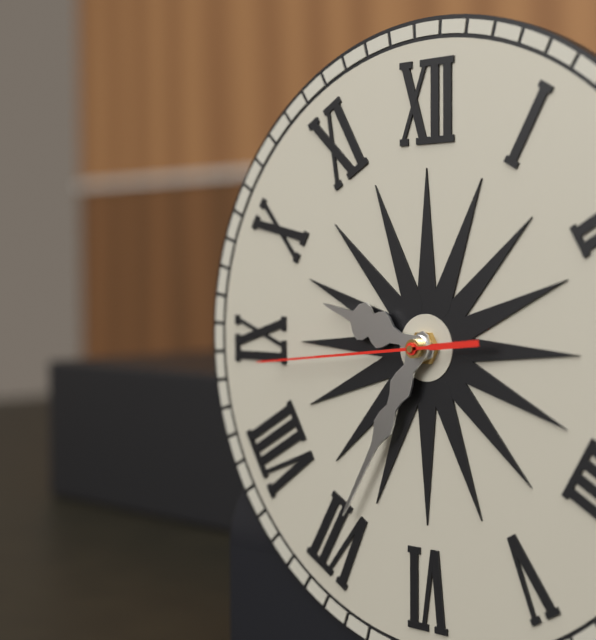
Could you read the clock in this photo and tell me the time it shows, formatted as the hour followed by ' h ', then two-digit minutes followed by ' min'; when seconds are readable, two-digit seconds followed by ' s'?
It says 9 h 35 min 44 s
